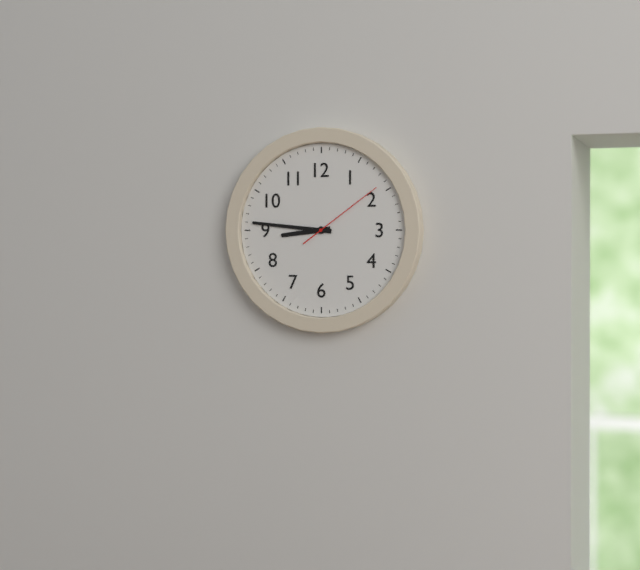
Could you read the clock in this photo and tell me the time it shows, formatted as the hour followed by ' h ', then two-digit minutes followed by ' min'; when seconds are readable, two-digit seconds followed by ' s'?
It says 8 h 46 min 09 s
